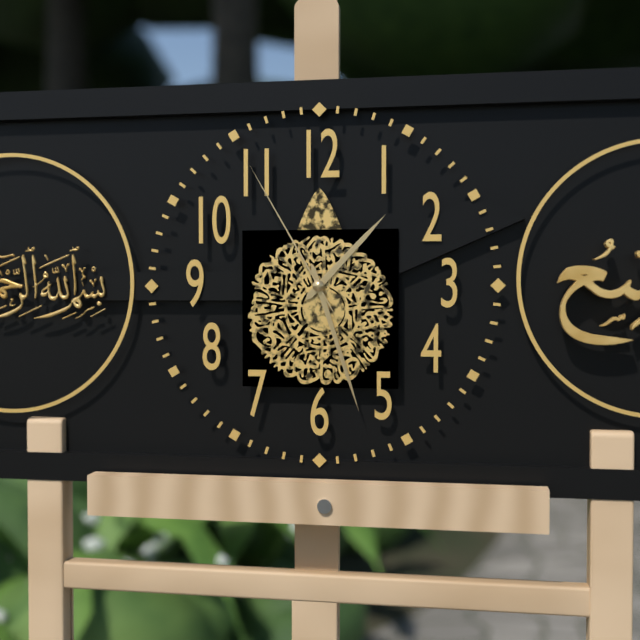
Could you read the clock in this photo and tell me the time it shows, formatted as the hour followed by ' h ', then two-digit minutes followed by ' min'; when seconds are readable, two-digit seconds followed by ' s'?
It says 1 h 27 min 55 s
